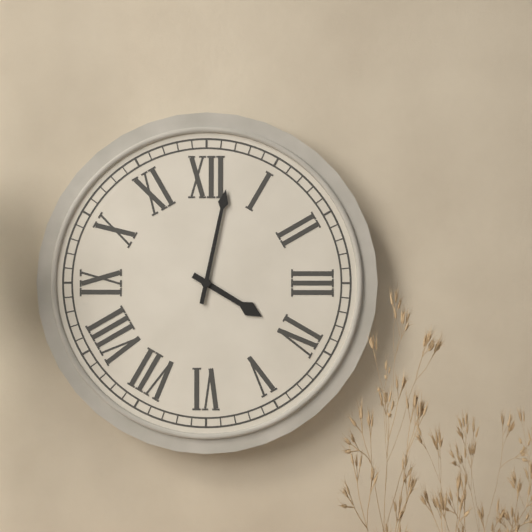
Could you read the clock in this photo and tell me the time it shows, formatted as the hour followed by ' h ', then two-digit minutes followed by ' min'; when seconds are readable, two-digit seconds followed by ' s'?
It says 4 h 02 min
